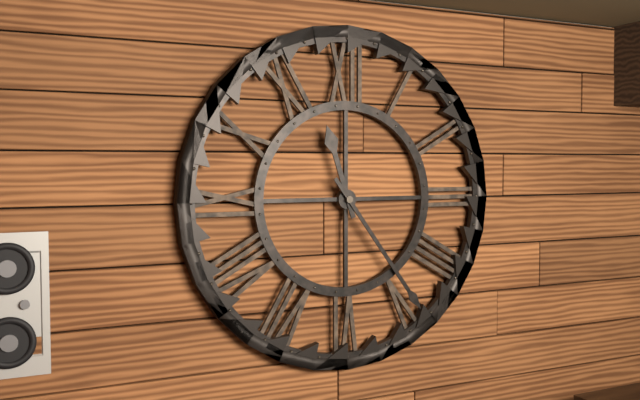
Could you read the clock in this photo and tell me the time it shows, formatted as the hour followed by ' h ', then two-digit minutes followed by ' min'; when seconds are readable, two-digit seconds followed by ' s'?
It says 11 h 24 min
